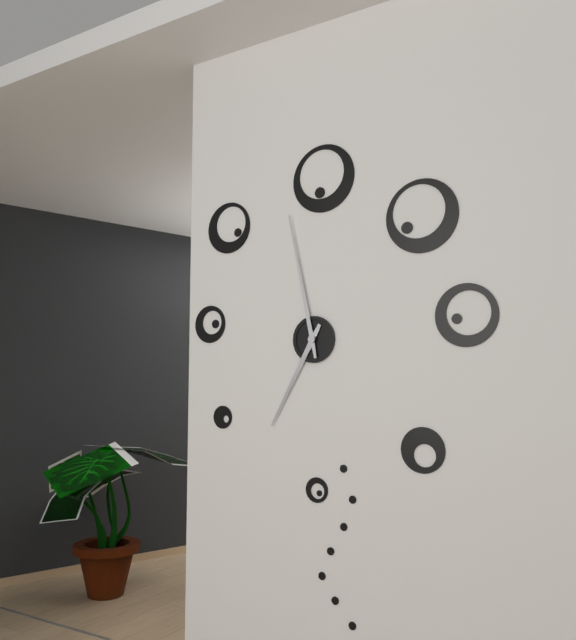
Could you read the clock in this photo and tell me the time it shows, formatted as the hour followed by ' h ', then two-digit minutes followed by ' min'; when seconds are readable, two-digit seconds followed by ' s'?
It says 6 h 58 min
